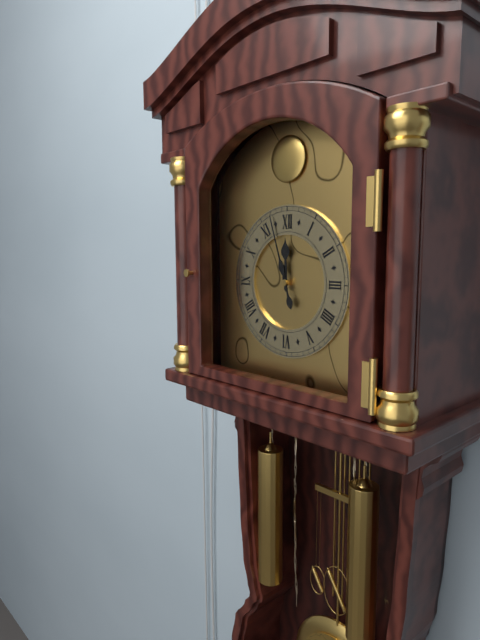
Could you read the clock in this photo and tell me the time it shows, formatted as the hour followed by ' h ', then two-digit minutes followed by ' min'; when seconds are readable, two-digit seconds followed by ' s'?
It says 11 h 57 min
